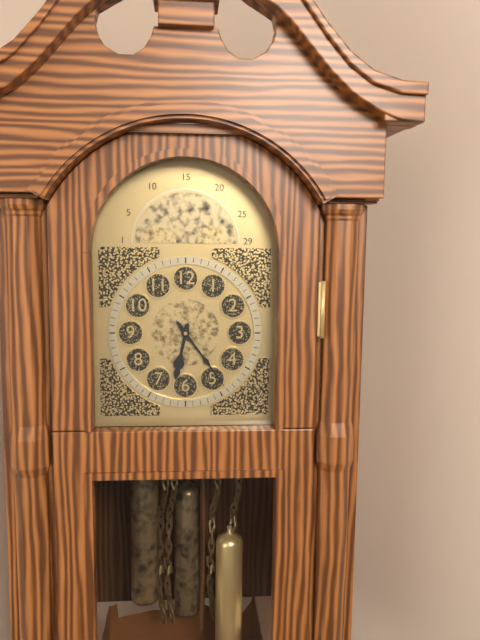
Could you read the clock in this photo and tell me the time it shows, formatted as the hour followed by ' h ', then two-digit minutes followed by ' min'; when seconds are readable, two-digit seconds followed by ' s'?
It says 6 h 24 min
